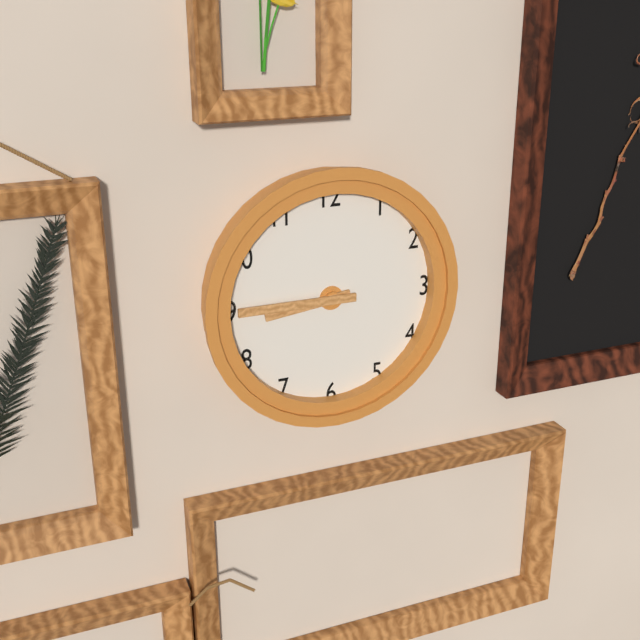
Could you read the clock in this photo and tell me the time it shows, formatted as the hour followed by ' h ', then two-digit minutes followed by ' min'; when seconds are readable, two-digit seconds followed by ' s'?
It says 8 h 45 min
